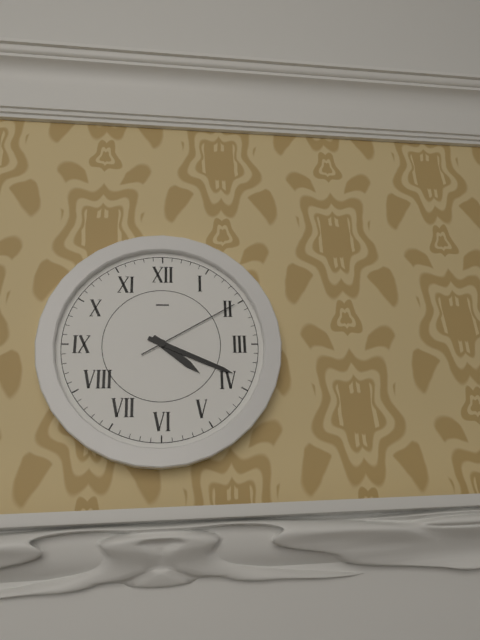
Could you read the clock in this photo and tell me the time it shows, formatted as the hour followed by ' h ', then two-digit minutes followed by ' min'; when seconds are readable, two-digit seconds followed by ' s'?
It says 4 h 19 min 10 s
